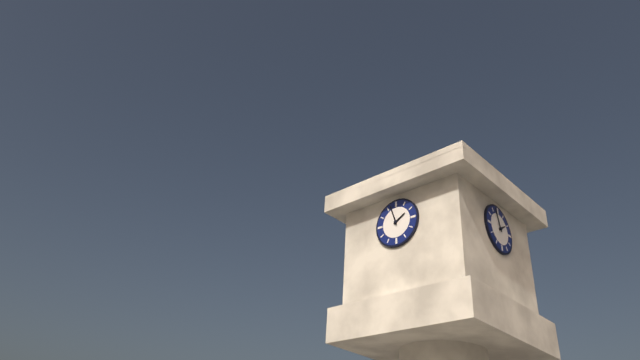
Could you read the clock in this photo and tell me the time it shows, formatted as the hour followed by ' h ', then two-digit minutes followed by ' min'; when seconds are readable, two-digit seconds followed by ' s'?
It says 1 h 57 min
